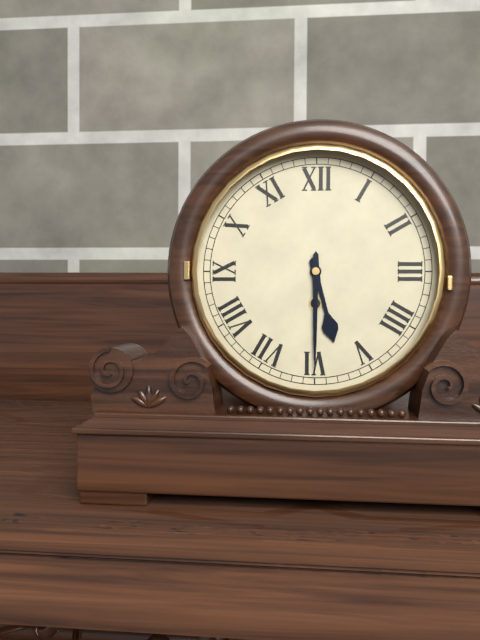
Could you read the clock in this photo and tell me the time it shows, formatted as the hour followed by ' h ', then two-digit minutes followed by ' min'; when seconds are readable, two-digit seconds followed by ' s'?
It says 5 h 30 min
